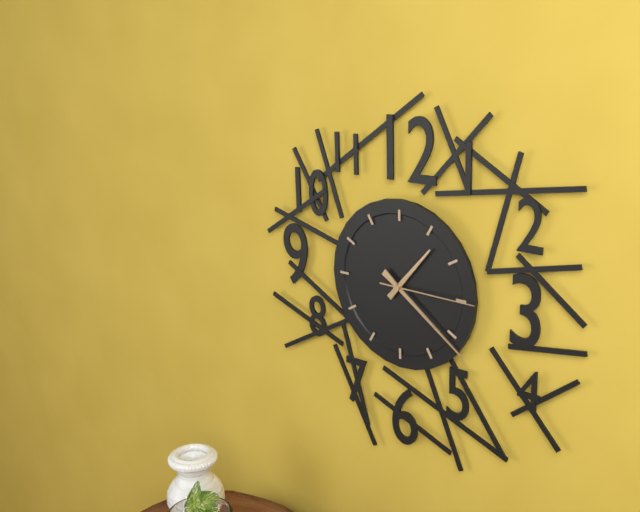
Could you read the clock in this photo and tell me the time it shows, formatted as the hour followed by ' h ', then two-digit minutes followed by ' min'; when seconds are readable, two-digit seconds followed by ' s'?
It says 1 h 21 min 15 s
